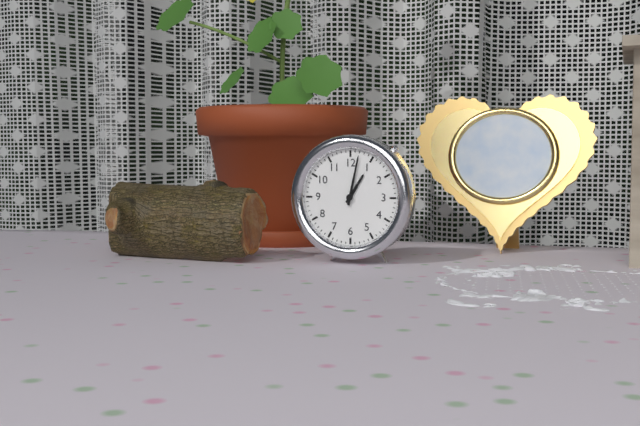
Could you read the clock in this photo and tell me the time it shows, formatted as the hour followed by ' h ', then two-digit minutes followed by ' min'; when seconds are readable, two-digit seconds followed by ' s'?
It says 1 h 02 min
